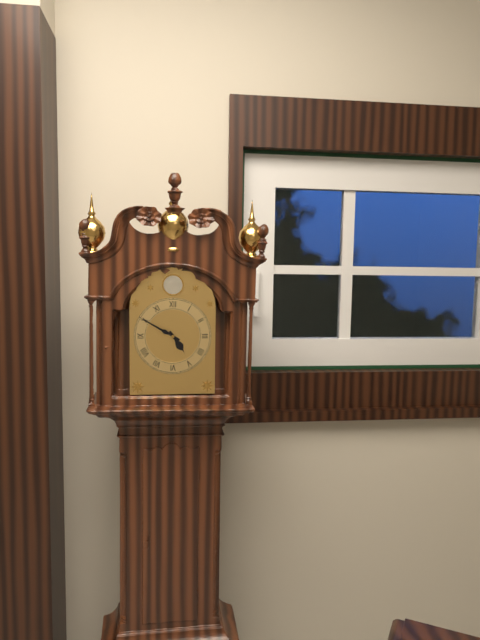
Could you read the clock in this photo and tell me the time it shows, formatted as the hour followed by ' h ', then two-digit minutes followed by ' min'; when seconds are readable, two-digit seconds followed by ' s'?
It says 4 h 50 min
